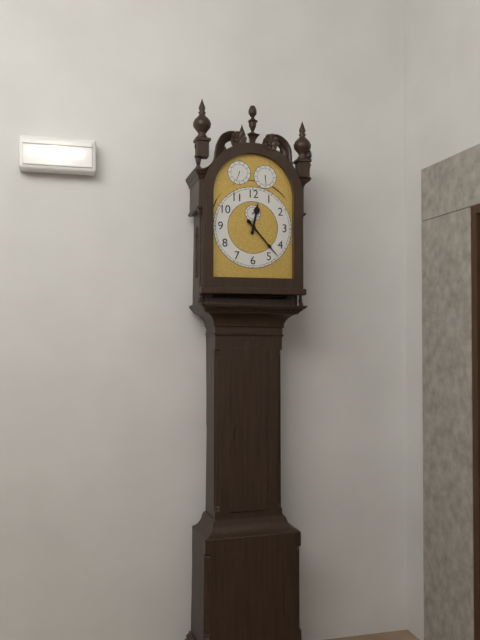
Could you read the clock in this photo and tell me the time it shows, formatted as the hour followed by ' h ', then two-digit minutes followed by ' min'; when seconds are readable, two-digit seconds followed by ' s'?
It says 12 h 23 min
